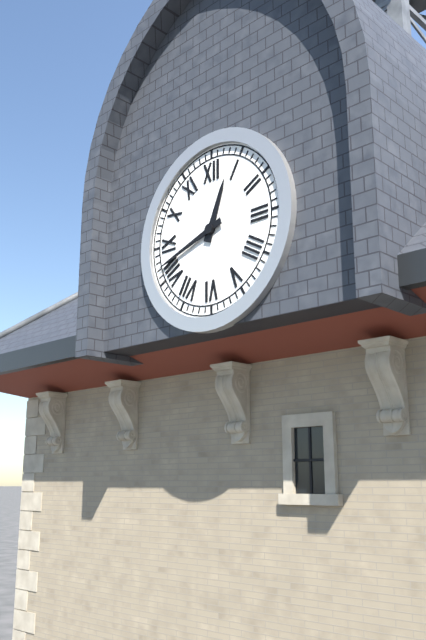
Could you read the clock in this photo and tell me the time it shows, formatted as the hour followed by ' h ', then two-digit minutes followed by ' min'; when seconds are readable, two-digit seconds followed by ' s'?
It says 12 h 42 min
